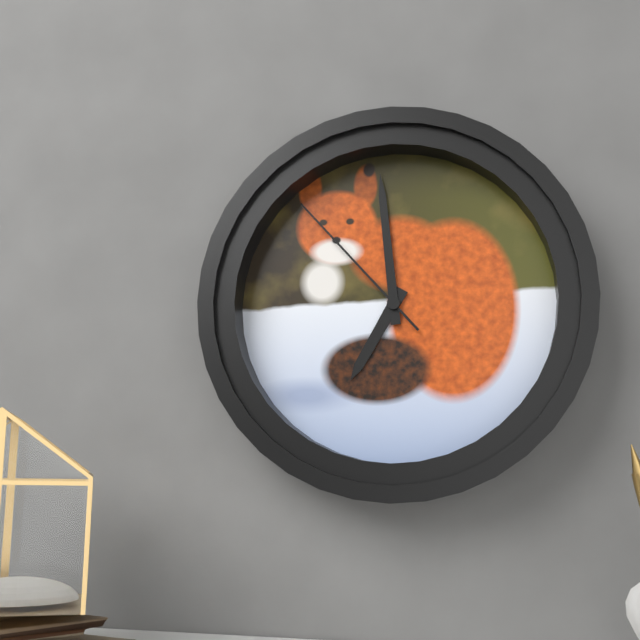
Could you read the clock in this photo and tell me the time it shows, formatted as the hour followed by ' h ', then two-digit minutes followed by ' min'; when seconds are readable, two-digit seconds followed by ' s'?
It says 6 h 59 min 53 s
